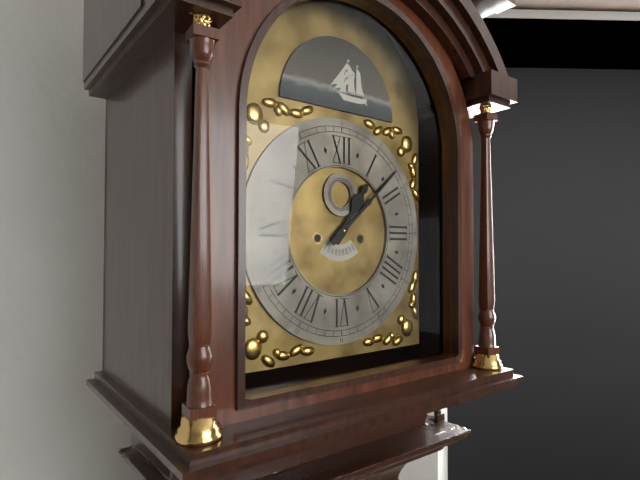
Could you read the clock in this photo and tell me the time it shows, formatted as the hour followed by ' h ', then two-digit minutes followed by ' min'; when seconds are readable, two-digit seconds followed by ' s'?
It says 1 h 08 min
